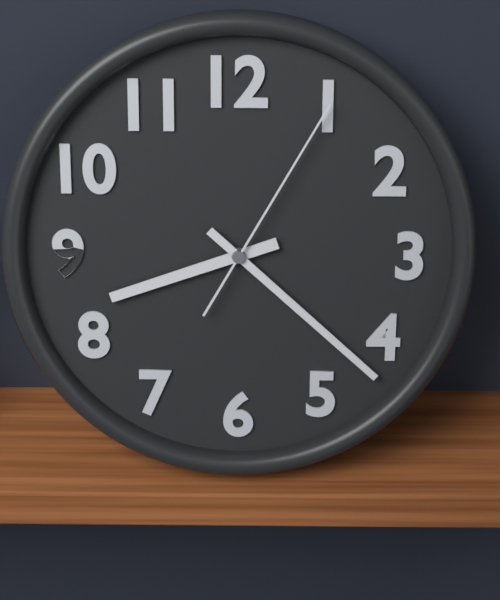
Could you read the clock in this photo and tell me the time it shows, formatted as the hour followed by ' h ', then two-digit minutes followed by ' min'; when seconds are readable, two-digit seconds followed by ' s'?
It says 8 h 22 min 05 s
